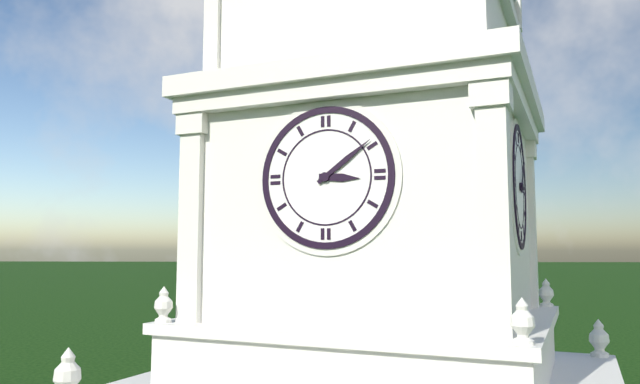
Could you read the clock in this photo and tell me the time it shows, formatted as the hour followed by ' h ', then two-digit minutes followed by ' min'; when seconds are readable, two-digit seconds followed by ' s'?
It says 3 h 09 min
